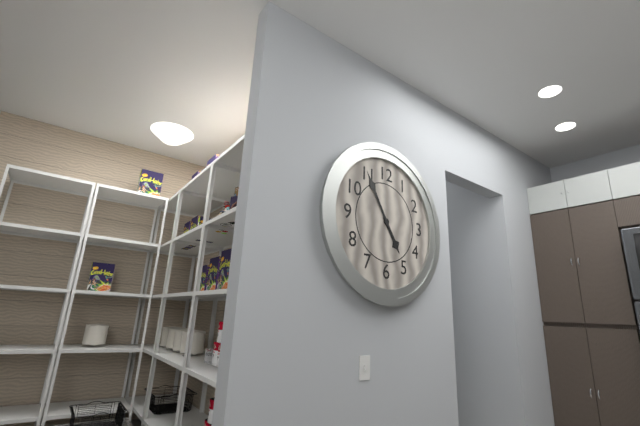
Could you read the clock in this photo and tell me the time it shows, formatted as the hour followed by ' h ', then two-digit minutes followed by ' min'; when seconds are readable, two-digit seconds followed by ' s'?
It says 4 h 55 min
